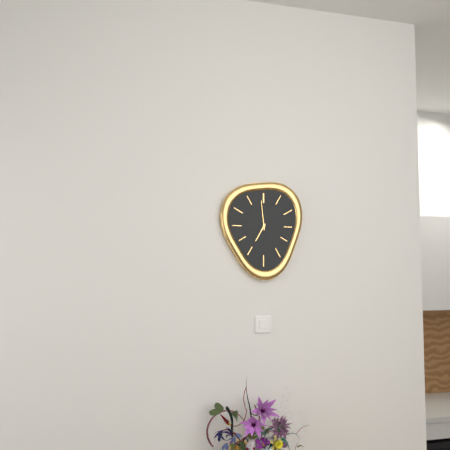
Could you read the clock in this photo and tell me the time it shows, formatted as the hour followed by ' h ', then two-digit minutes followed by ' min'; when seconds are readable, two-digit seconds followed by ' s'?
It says 6 h 59 min
